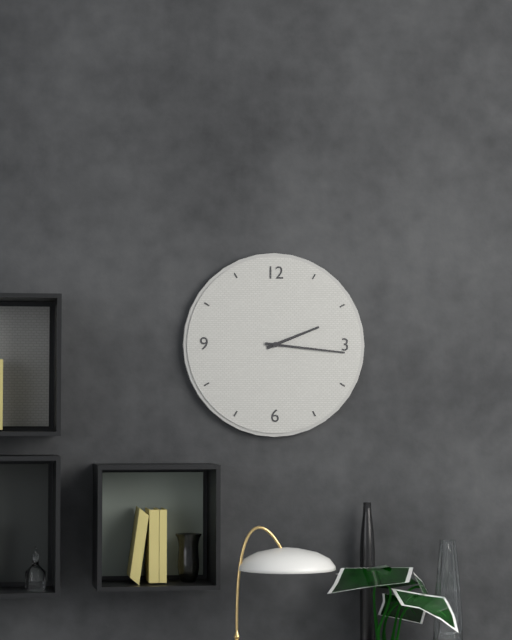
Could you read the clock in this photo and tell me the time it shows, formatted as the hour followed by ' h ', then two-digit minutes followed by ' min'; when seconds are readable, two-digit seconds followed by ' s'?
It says 2 h 16 min
